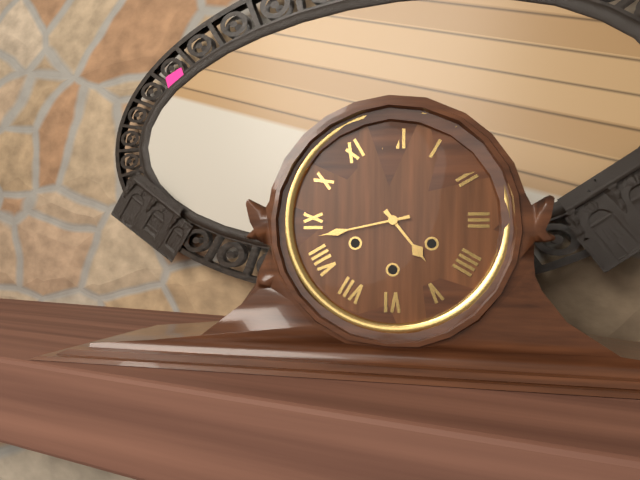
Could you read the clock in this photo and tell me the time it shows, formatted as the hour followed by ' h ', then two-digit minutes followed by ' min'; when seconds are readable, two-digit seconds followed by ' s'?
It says 4 h 43 min
